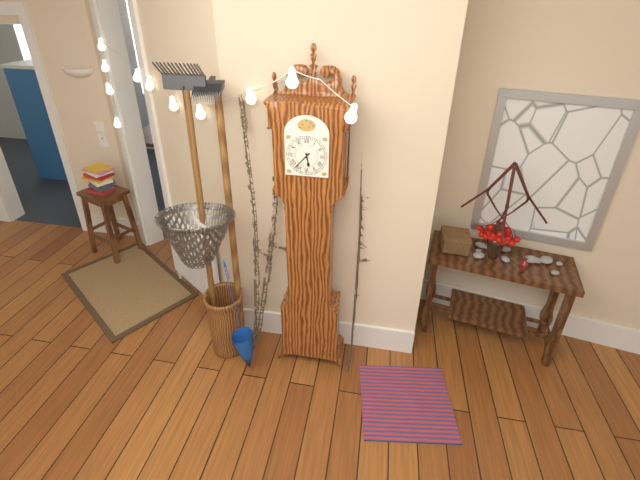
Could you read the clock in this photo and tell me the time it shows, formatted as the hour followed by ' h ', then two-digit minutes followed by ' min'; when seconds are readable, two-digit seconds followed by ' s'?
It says 5 h 37 min
